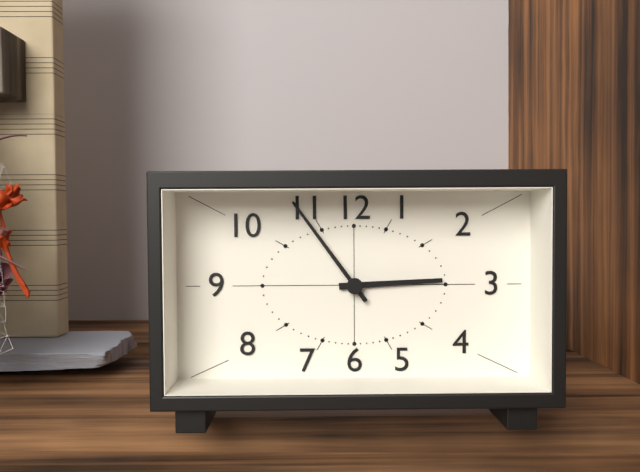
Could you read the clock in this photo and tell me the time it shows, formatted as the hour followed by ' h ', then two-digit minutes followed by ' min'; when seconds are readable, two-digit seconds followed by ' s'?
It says 2 h 54 min
